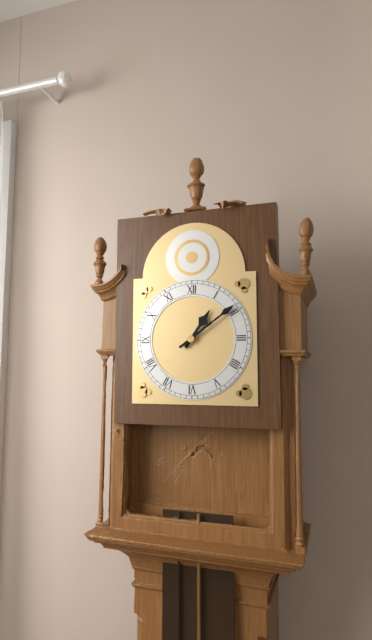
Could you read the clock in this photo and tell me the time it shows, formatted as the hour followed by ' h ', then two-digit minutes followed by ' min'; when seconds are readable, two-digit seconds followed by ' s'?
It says 1 h 09 min
